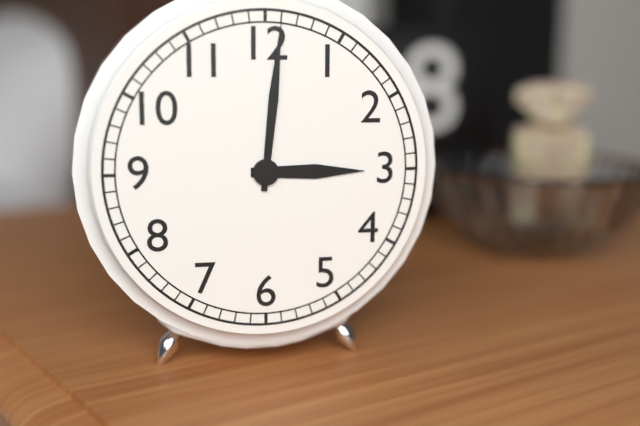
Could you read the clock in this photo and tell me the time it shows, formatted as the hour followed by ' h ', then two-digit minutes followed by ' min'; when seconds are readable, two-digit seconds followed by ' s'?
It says 3 h 01 min
